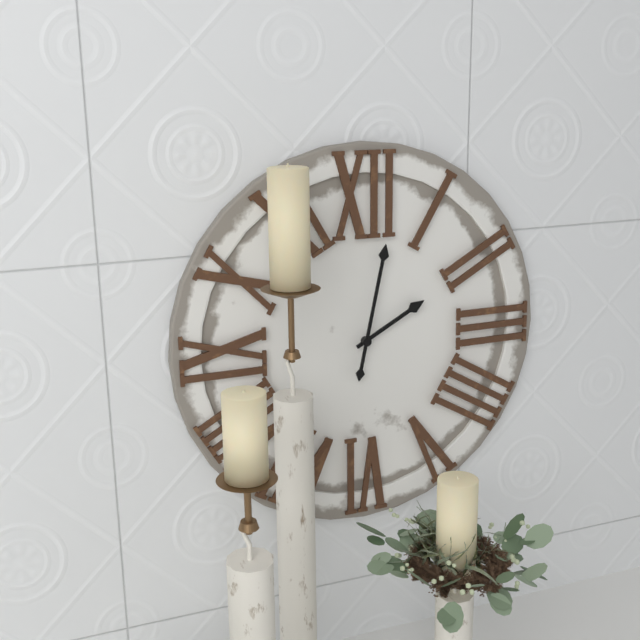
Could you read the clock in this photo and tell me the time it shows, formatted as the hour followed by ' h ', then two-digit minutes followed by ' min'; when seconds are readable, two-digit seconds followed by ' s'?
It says 2 h 02 min
